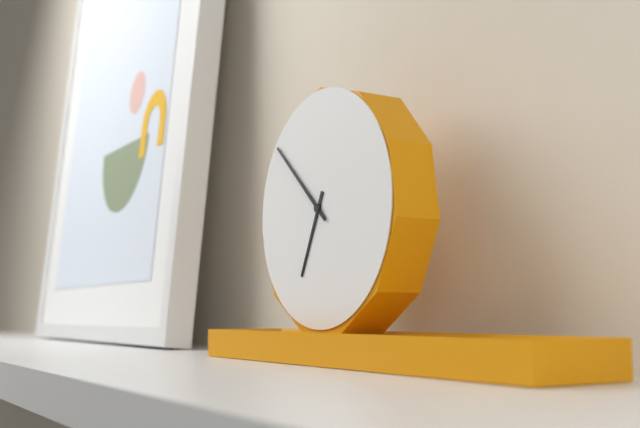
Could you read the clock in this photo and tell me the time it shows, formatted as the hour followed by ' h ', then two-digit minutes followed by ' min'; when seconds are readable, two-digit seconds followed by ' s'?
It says 6 h 52 min
